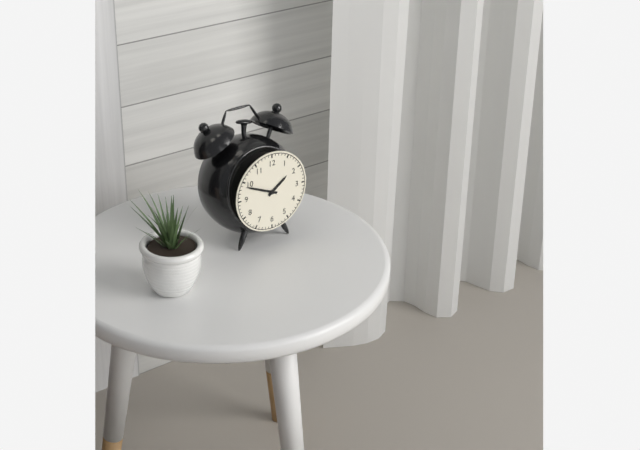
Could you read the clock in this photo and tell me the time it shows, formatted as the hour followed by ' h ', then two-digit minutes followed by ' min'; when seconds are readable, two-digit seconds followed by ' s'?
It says 1 h 49 min
